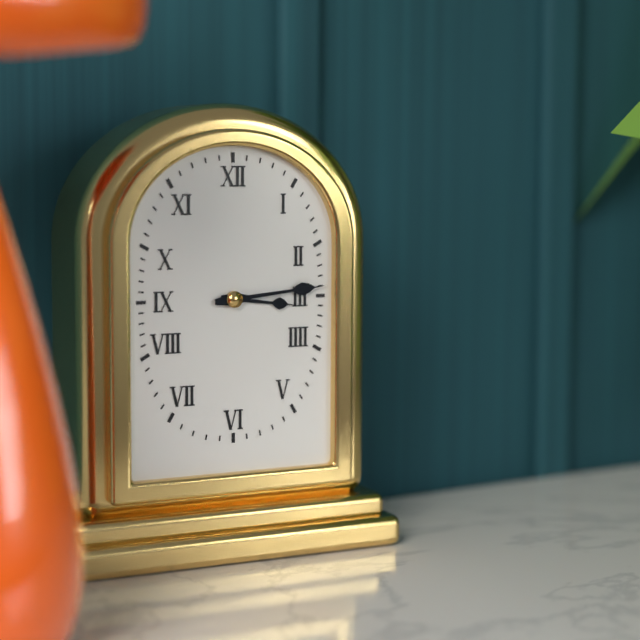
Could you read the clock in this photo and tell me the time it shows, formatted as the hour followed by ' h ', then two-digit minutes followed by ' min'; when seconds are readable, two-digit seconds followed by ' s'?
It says 3 h 14 min
